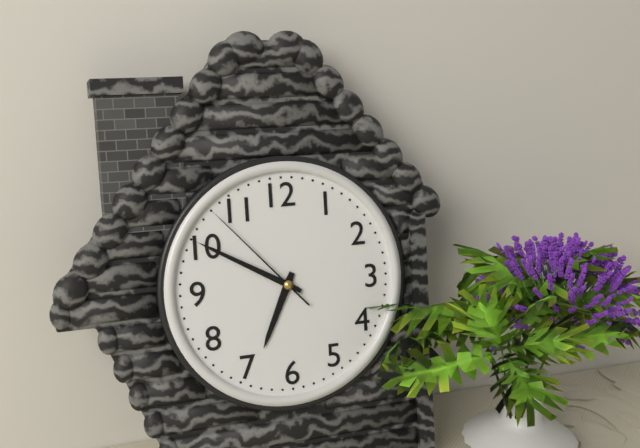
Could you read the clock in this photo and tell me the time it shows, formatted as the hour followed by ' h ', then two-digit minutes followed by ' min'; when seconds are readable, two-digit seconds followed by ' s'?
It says 6 h 50 min 53 s
